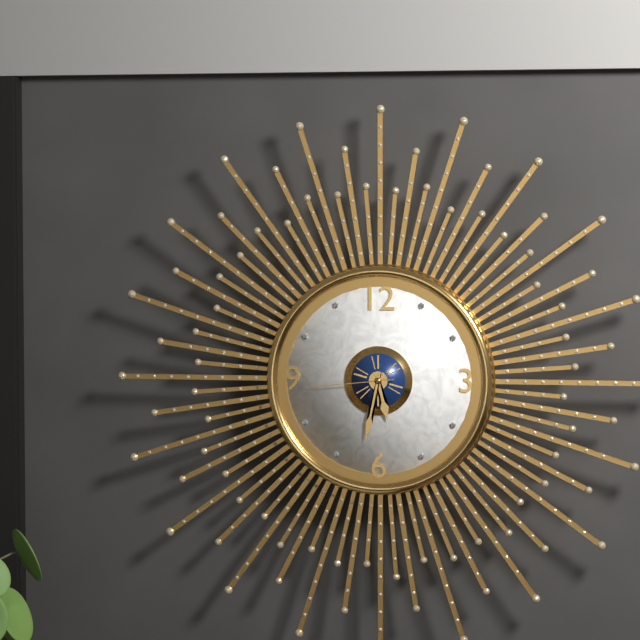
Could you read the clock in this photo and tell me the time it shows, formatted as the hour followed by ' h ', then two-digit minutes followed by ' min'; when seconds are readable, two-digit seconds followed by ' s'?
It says 5 h 32 min 44 s
